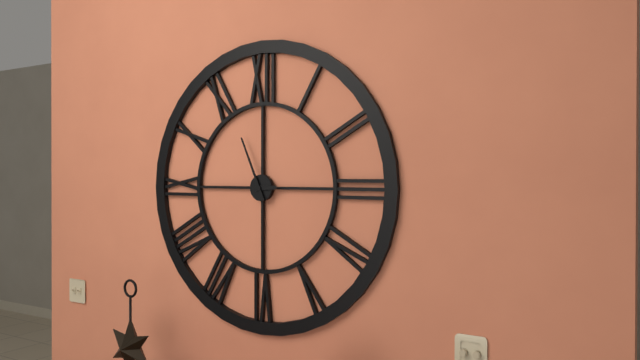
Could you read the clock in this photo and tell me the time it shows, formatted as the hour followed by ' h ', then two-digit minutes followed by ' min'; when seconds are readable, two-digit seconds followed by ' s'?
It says 2 h 56 min
